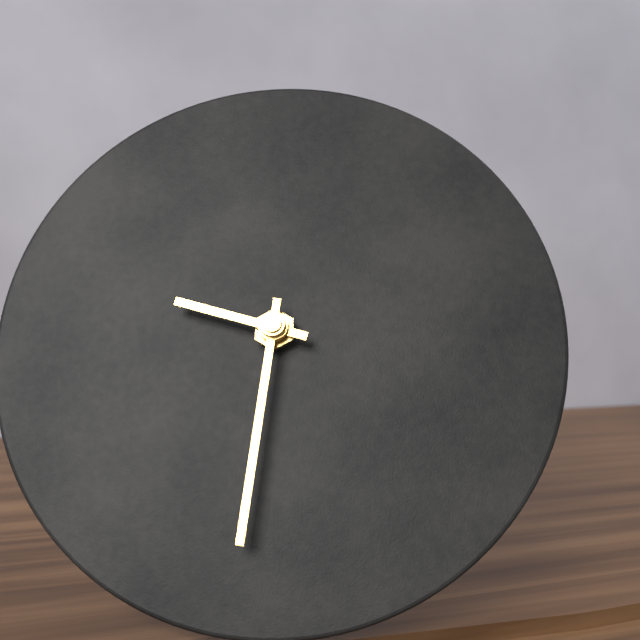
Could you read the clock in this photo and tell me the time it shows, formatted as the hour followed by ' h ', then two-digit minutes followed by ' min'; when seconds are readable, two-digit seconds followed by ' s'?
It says 9 h 31 min
